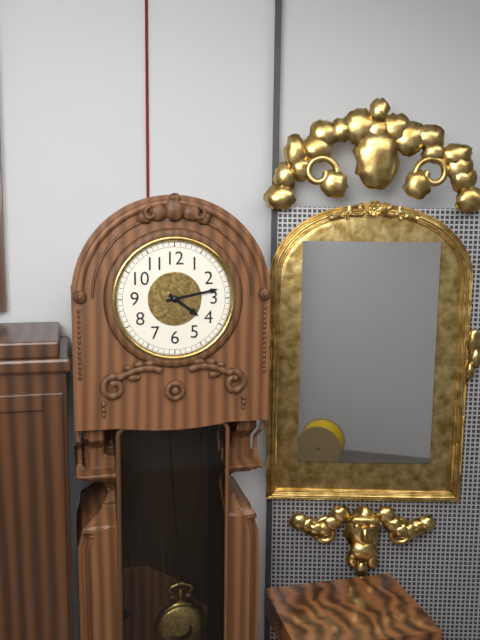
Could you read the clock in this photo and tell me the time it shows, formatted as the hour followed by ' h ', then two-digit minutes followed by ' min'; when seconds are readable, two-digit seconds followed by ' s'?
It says 4 h 13 min
